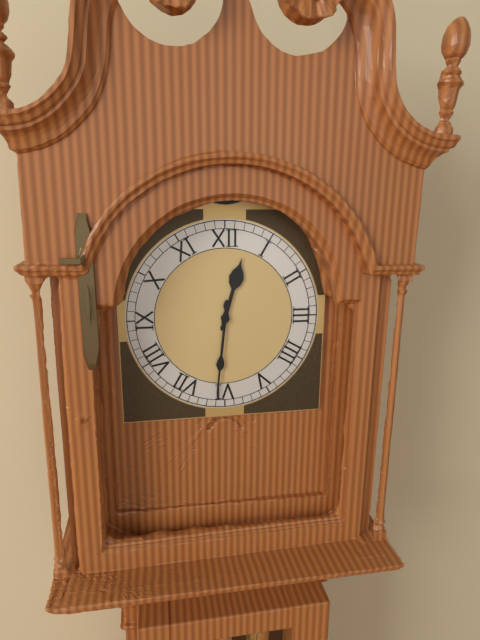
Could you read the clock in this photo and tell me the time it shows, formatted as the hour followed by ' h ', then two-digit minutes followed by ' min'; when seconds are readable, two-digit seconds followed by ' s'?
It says 12 h 31 min
